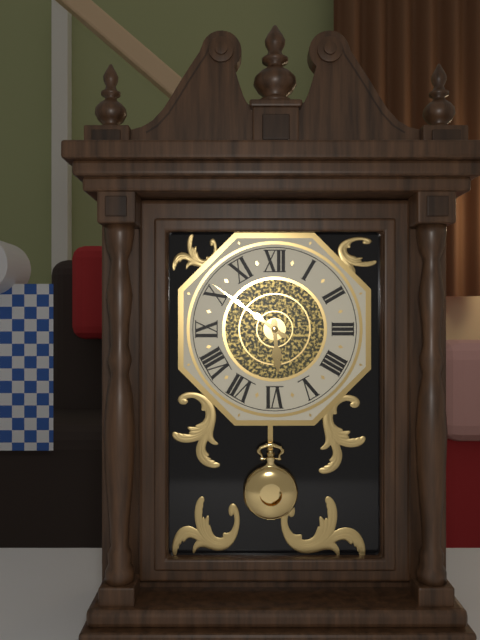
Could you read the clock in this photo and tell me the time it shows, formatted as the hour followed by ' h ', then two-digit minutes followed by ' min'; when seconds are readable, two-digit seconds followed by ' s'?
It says 5 h 51 min
